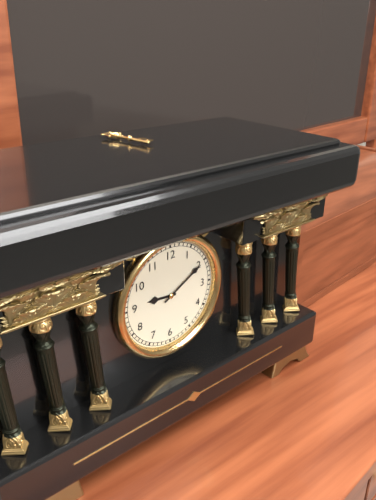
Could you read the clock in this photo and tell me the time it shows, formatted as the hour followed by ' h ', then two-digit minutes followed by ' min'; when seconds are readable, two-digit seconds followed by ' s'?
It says 9 h 10 min
